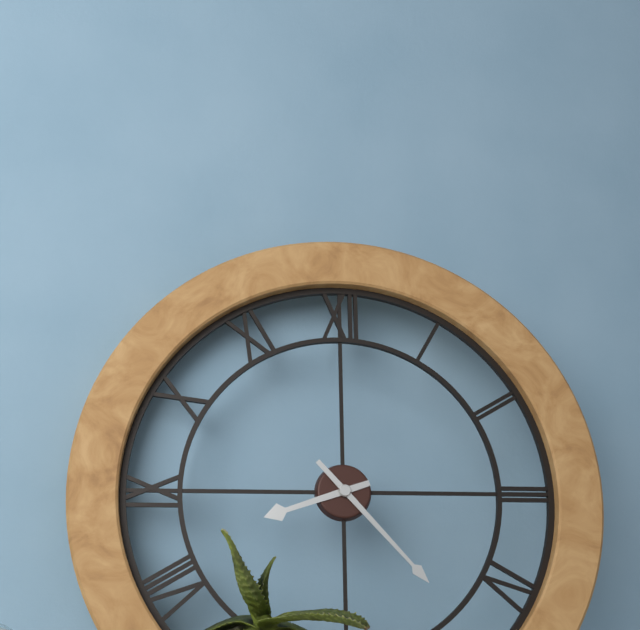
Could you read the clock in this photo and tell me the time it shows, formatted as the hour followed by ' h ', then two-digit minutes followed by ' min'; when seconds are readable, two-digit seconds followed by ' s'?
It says 8 h 23 min
